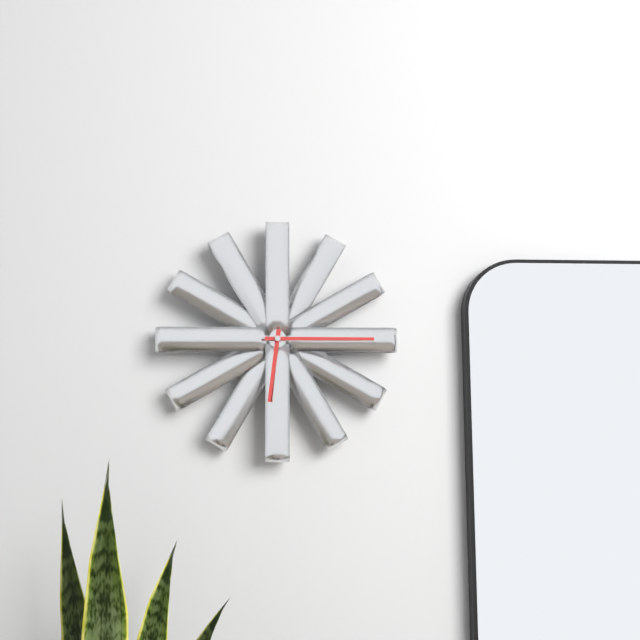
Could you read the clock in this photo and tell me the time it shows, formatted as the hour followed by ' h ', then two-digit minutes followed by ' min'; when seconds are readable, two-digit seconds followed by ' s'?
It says 6 h 15 min
